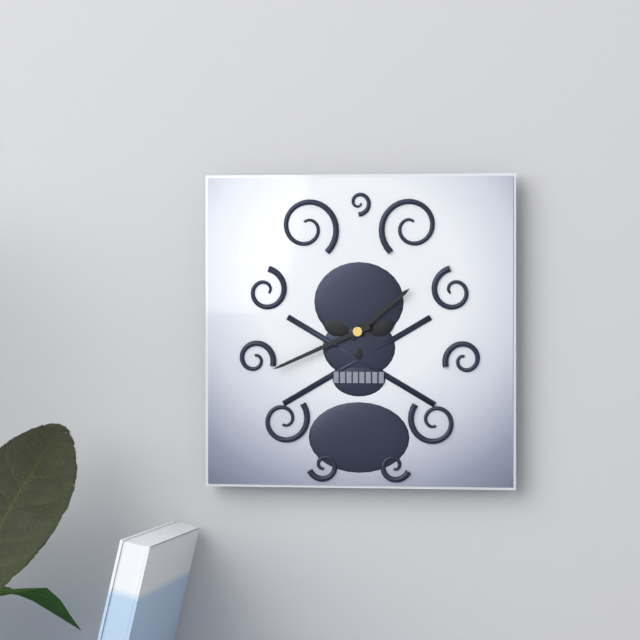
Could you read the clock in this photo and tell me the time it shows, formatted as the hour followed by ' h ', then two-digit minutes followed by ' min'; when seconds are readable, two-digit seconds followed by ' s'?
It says 1 h 41 min
